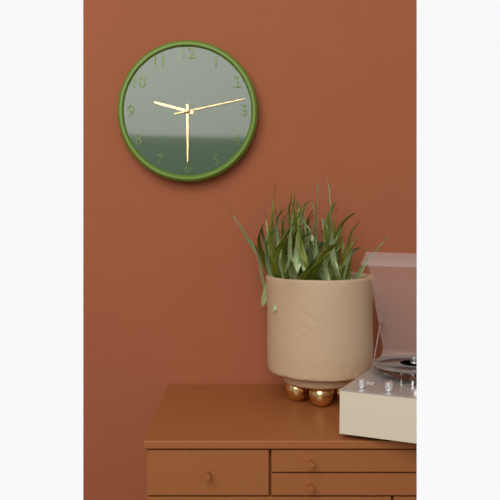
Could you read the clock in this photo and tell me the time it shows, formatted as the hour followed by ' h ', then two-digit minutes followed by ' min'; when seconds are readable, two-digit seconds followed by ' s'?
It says 9 h 30 min 13 s
